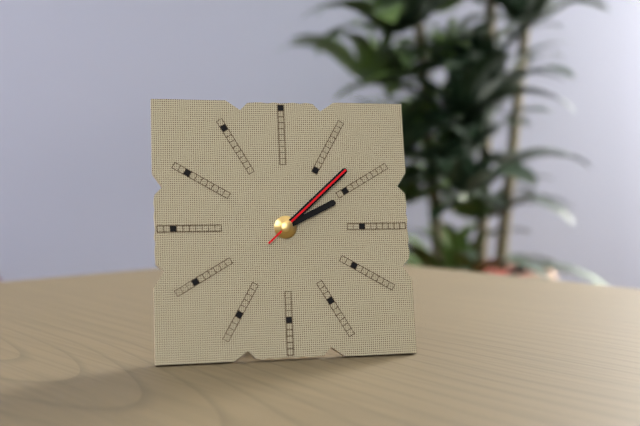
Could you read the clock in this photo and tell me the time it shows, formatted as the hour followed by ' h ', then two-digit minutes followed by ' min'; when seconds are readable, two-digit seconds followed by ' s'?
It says 2 h 08 min 08 s
